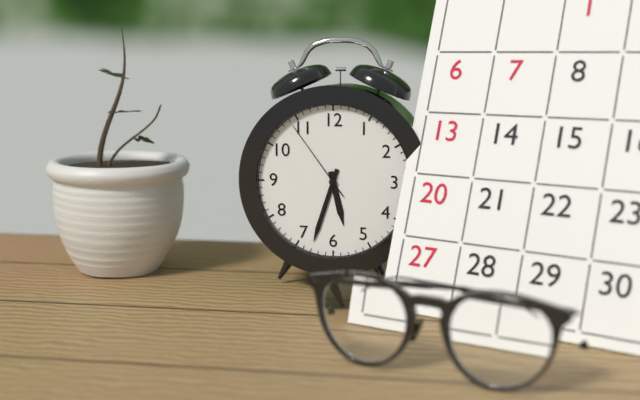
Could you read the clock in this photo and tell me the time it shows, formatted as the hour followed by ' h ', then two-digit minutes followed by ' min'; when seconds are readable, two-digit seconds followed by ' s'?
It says 5 h 33 min 54 s
